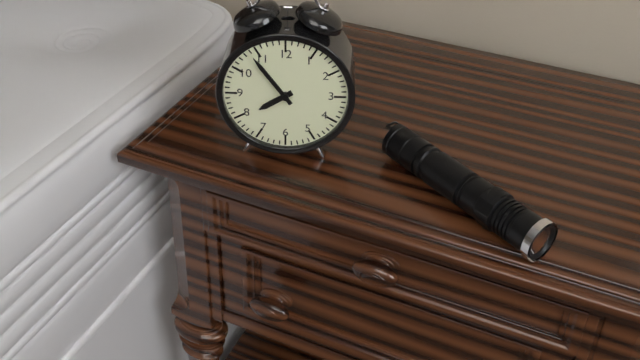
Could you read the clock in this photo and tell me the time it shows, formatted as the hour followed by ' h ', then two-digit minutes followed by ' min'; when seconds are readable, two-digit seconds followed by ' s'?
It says 7 h 54 min
